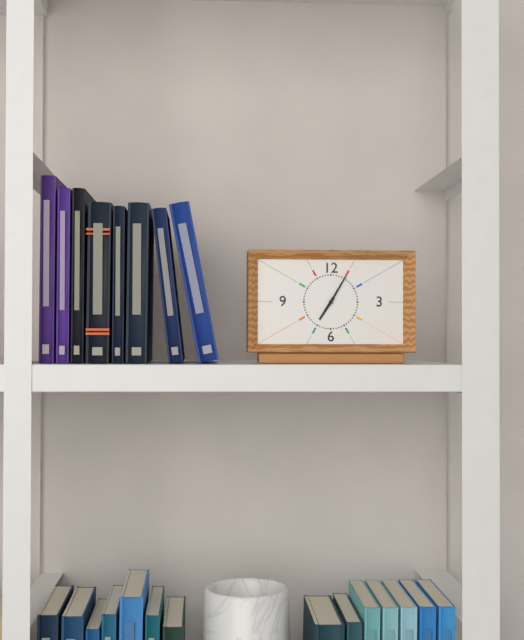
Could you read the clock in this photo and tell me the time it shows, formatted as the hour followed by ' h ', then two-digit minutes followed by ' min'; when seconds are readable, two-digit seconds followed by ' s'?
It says 7 h 05 min
